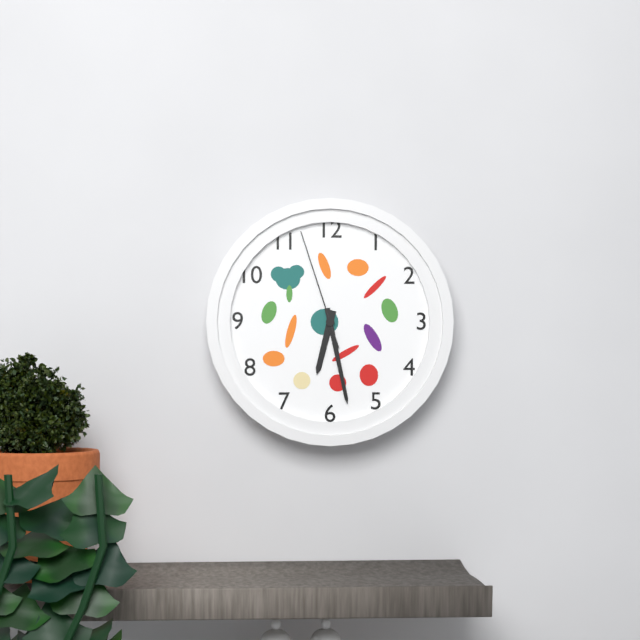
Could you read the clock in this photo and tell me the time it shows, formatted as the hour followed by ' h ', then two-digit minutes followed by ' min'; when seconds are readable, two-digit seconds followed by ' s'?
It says 6 h 28 min 57 s
